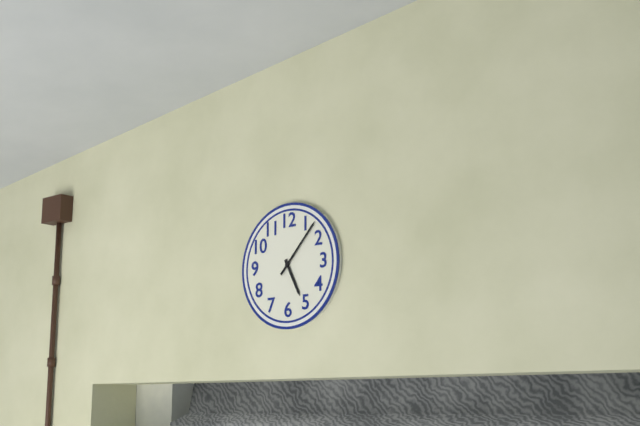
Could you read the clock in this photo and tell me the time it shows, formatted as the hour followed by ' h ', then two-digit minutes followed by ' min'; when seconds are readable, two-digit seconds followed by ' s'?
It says 5 h 07 min
